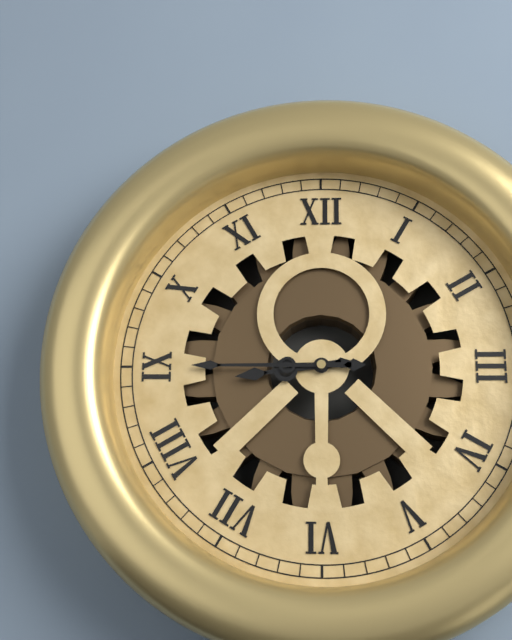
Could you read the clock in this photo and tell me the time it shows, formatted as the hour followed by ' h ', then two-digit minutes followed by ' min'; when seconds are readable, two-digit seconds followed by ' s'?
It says 8 h 45 min
